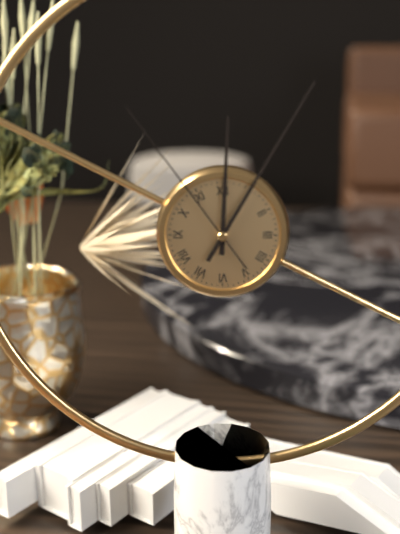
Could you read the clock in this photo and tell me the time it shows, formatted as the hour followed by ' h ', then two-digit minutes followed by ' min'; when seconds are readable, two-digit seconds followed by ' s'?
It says 12 h 05 min 54 s
